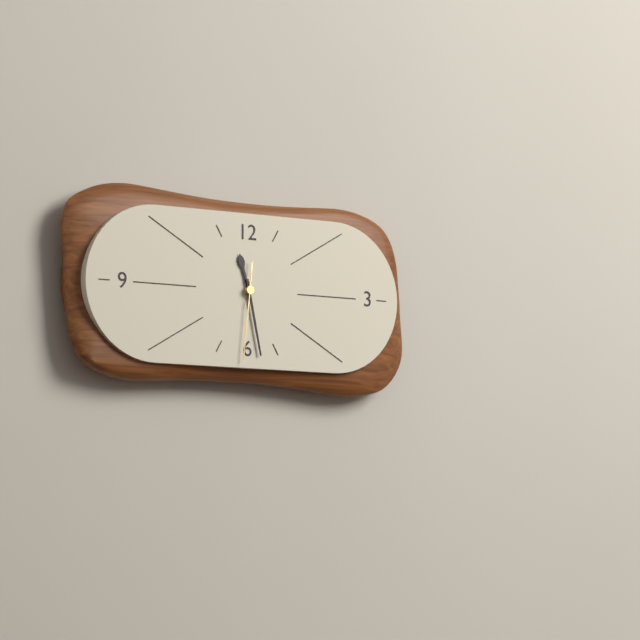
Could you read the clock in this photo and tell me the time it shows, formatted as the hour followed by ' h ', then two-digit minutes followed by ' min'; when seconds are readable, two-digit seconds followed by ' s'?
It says 11 h 28 min 31 s
